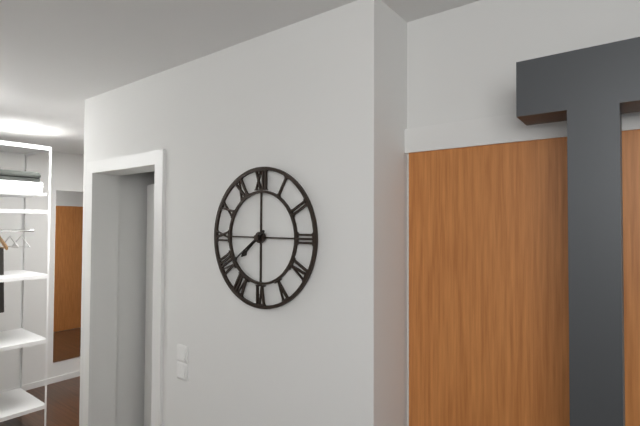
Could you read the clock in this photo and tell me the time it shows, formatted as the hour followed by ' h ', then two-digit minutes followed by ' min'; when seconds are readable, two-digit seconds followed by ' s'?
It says 7 h 39 min
